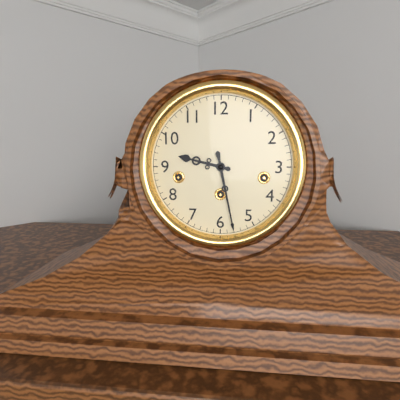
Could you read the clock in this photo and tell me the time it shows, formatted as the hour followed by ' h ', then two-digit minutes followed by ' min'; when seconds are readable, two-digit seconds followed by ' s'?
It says 9 h 28 min
